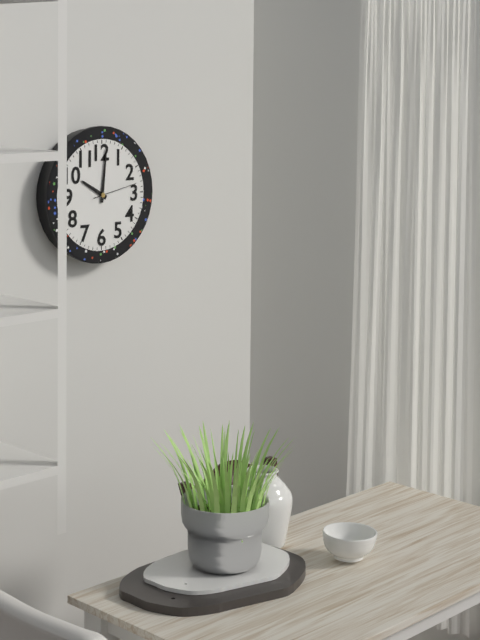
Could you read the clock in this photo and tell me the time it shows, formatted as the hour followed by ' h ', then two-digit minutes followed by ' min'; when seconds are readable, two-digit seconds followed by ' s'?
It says 10 h 01 min
